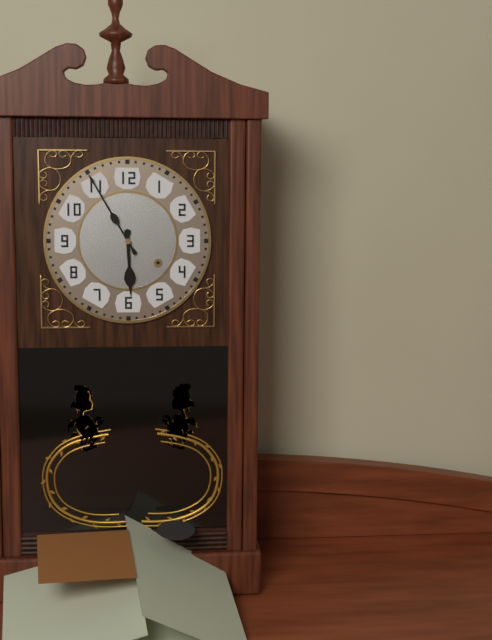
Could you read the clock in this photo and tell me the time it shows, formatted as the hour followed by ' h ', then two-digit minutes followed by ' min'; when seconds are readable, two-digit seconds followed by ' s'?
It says 5 h 55 min
